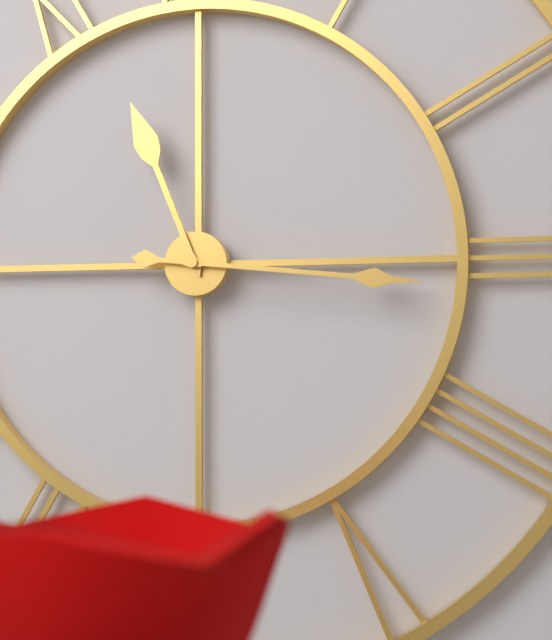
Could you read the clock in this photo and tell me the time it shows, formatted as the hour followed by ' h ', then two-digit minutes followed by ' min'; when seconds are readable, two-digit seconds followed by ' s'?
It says 11 h 16 min
